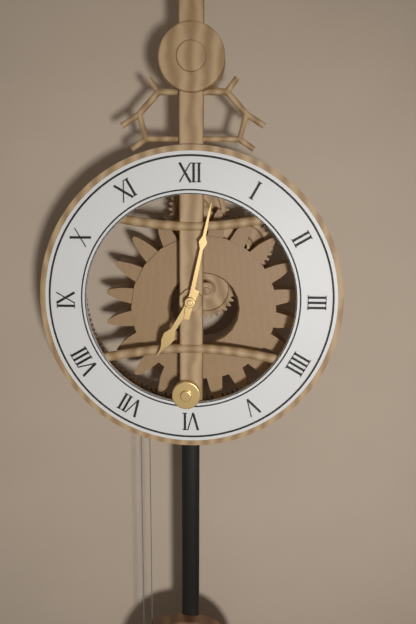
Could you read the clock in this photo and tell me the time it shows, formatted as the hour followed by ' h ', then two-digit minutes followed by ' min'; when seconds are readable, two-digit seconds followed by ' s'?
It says 7 h 02 min
